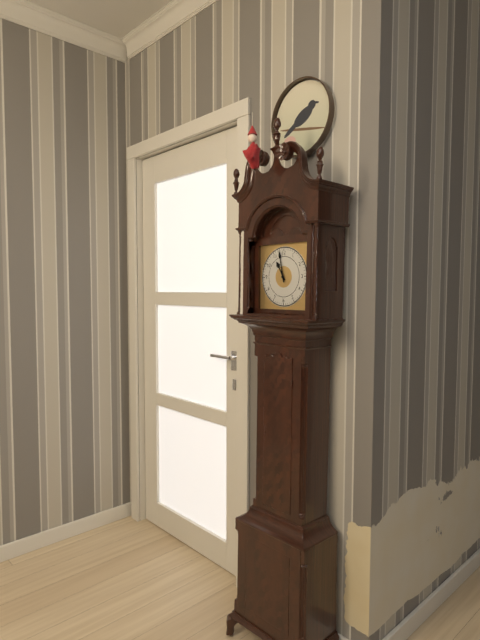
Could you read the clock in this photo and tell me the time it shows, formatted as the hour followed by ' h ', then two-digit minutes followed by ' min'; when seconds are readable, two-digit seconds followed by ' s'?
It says 10 h 58 min
